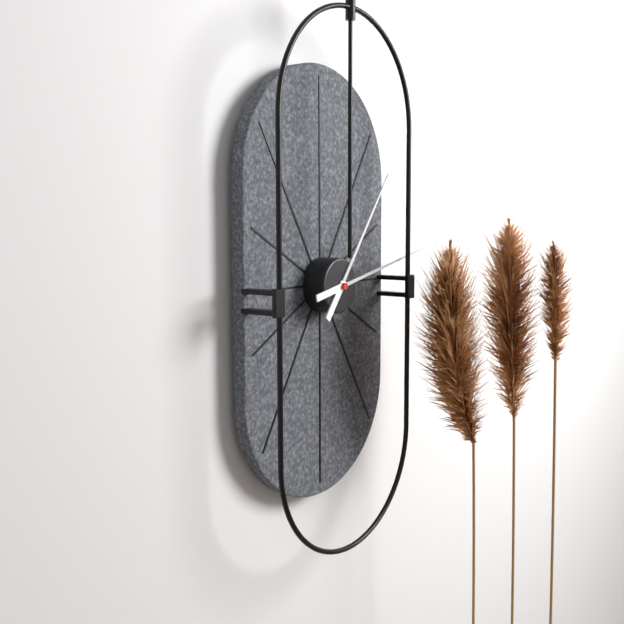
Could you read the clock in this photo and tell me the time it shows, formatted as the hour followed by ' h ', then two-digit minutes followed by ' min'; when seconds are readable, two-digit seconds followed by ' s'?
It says 1 h 13 min
